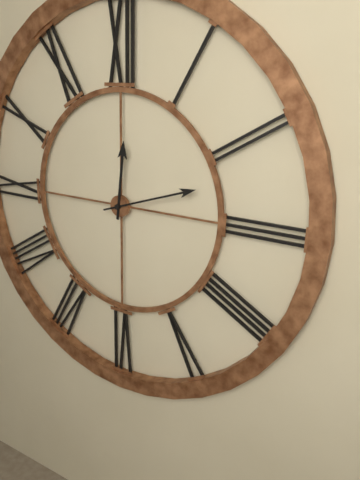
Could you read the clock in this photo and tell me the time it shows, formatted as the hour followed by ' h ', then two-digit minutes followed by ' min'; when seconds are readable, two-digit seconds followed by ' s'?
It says 12 h 12 min
